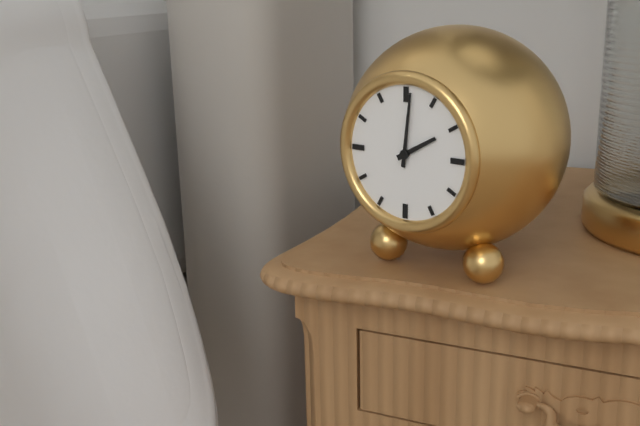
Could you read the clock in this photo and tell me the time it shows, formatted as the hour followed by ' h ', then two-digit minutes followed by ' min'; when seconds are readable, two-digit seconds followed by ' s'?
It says 2 h 01 min
